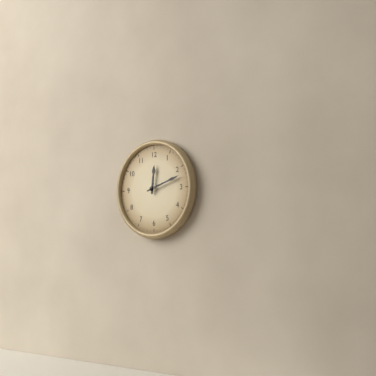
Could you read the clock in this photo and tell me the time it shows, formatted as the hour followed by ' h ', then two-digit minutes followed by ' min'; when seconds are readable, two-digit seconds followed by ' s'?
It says 12 h 12 min
